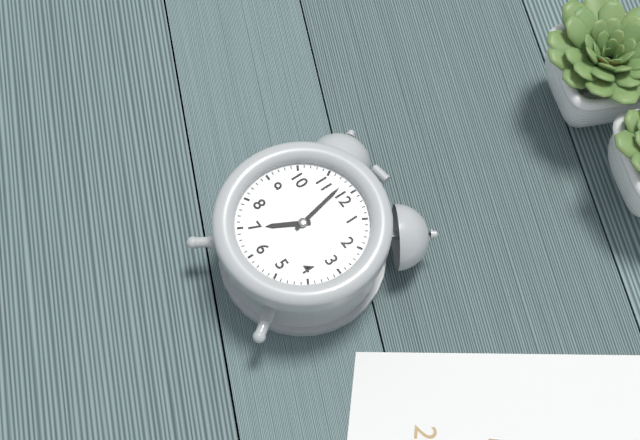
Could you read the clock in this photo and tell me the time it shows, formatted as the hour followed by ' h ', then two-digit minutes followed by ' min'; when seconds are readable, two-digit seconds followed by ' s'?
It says 6 h 58 min
